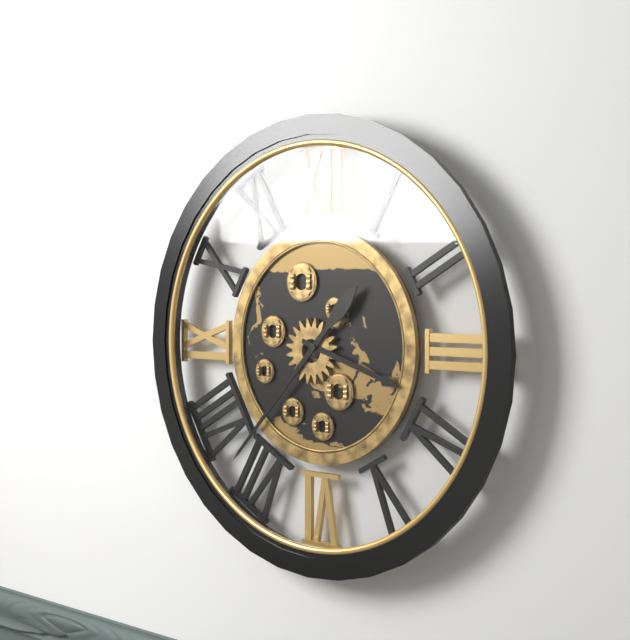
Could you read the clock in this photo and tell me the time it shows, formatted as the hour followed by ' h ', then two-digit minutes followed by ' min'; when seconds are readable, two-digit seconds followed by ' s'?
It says 3 h 37 min
